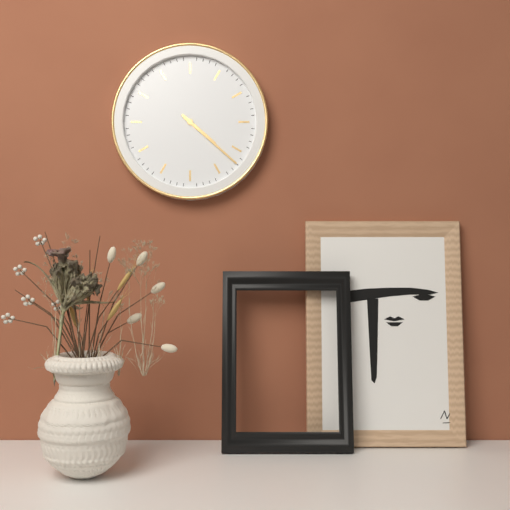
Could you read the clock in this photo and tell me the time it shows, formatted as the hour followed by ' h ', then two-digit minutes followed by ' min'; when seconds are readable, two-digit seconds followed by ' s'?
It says 4 h 22 min
